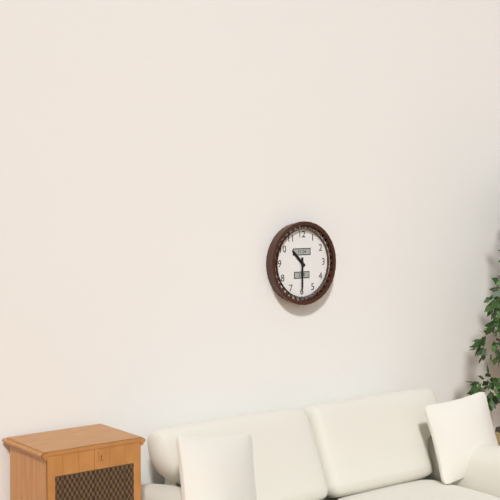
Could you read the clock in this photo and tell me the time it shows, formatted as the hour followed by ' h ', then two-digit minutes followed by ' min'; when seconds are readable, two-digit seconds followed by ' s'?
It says 10 h 30 min
